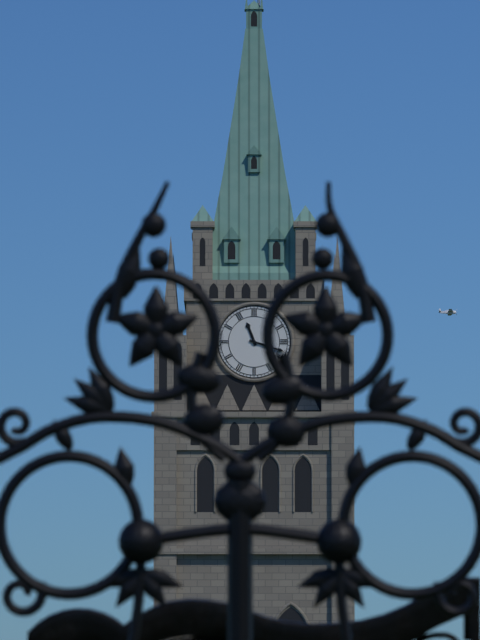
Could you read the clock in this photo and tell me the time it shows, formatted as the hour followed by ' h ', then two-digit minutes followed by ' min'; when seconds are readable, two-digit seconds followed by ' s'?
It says 11 h 18 min
